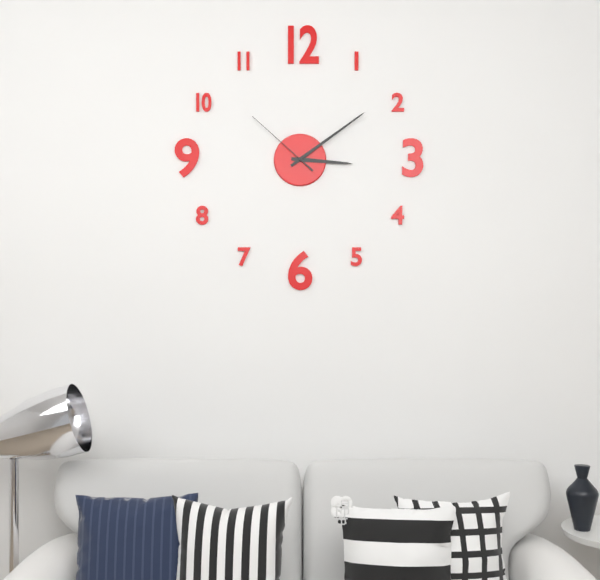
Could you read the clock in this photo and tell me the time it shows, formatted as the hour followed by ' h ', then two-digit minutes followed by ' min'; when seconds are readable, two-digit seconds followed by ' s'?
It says 3 h 09 min 52 s
